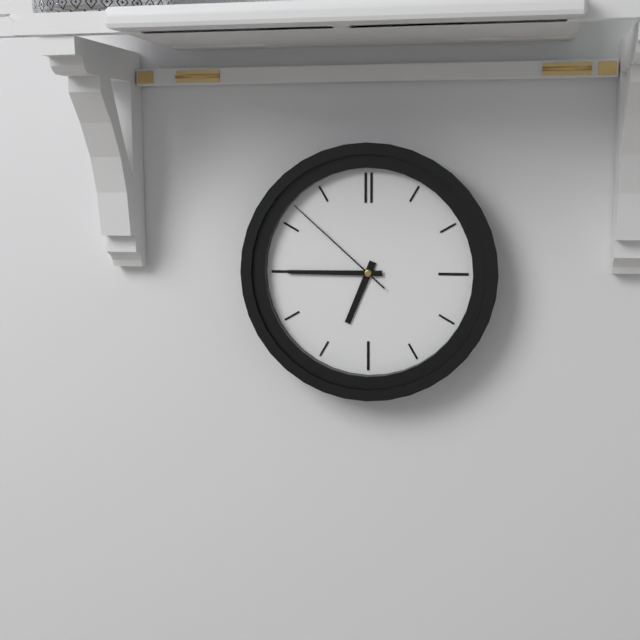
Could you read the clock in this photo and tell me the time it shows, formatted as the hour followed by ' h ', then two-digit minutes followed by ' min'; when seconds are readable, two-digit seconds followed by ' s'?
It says 6 h 45 min 52 s
